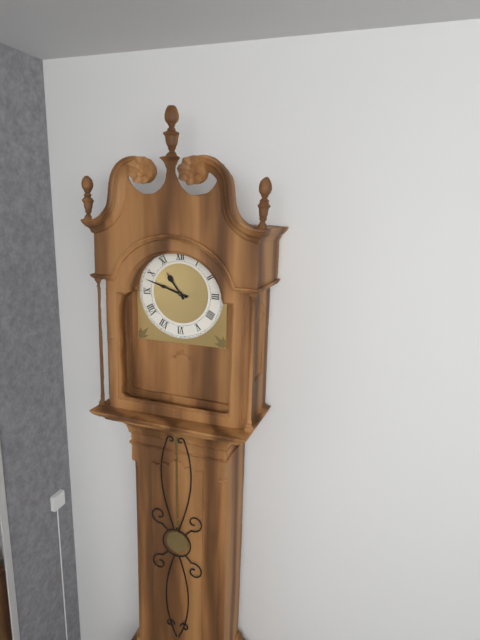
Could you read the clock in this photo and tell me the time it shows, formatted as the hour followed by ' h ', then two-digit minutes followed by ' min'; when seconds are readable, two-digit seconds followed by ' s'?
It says 10 h 48 min
